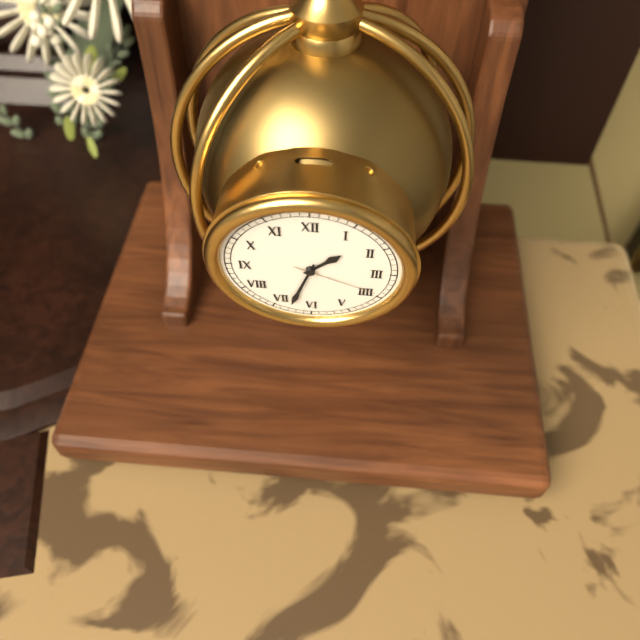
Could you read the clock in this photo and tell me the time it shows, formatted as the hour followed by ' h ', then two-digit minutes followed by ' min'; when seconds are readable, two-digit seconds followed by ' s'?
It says 1 h 33 min 19 s
